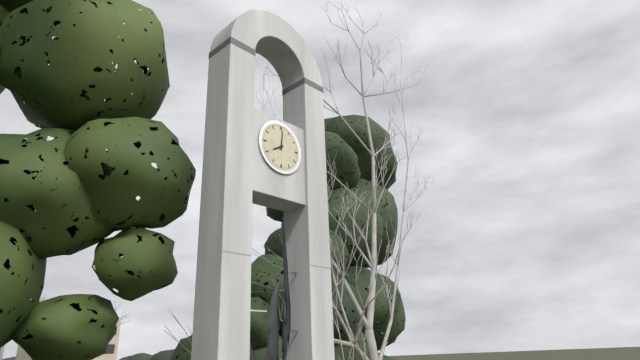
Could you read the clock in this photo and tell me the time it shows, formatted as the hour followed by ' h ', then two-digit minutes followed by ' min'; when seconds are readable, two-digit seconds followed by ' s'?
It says 8 h 01 min
